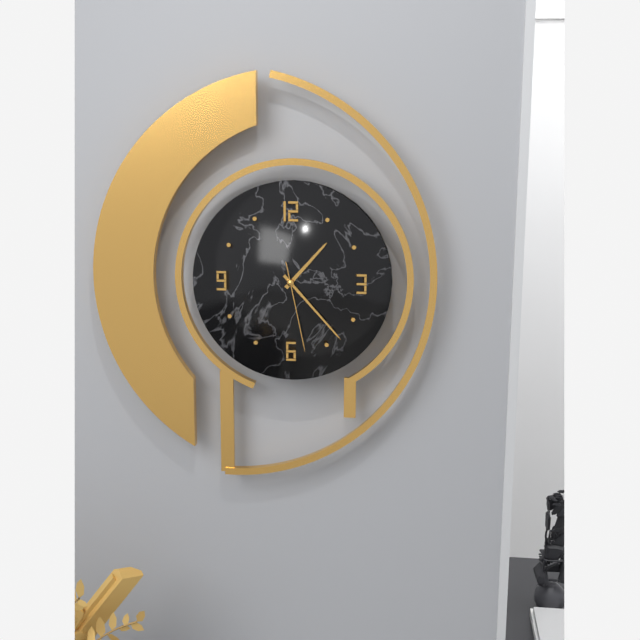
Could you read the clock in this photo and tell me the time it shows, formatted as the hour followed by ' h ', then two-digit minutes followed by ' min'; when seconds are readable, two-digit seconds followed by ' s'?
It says 1 h 23 min 28 s
